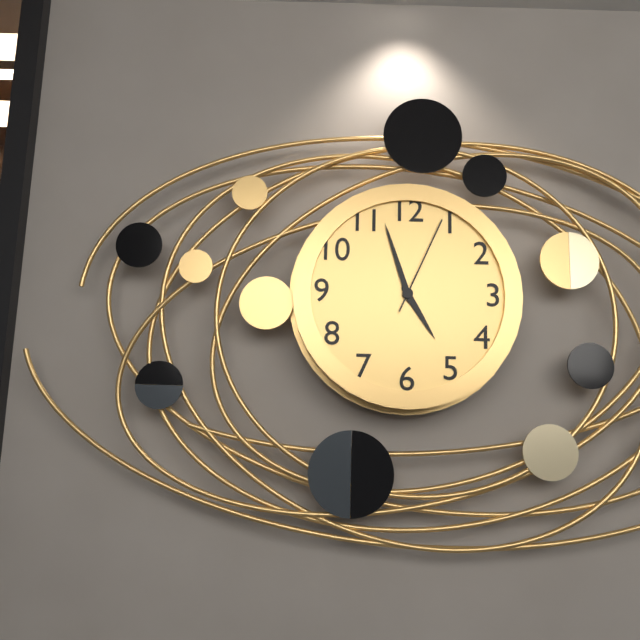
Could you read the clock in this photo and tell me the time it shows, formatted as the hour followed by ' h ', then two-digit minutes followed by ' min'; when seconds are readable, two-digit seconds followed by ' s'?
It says 4 h 57 min 04 s
